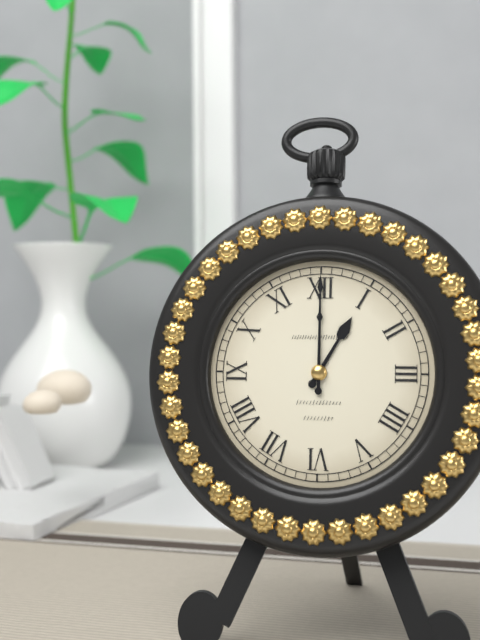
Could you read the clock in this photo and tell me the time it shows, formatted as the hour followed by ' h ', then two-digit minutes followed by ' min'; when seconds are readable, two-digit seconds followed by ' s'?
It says 1 h 00 min
